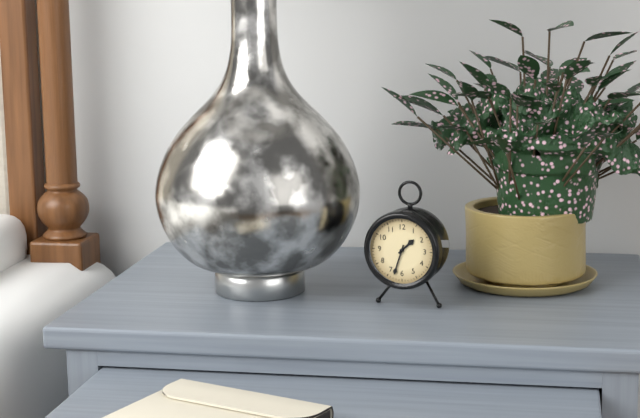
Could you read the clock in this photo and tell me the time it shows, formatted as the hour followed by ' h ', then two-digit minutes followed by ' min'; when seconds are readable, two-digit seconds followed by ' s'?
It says 1 h 33 min
